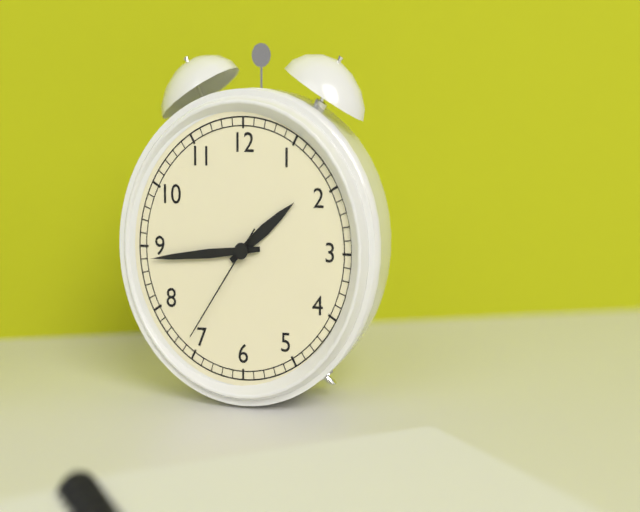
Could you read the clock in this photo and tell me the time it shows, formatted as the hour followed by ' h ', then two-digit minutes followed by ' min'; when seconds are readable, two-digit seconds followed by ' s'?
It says 1 h 44 min 36 s
